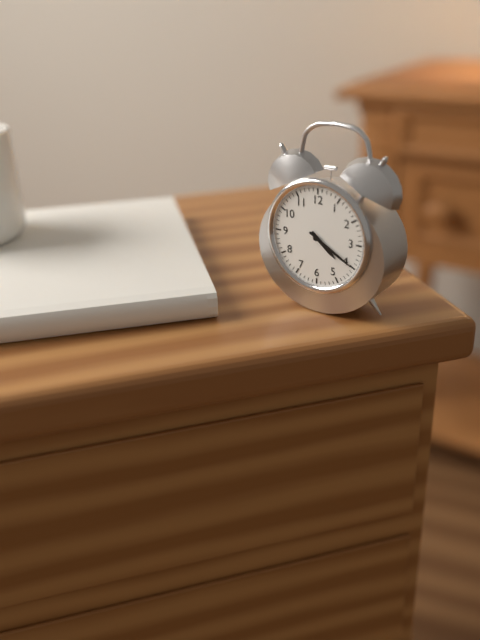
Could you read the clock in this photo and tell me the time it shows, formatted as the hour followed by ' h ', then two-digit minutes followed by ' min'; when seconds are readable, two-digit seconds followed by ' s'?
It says 4 h 20 min
